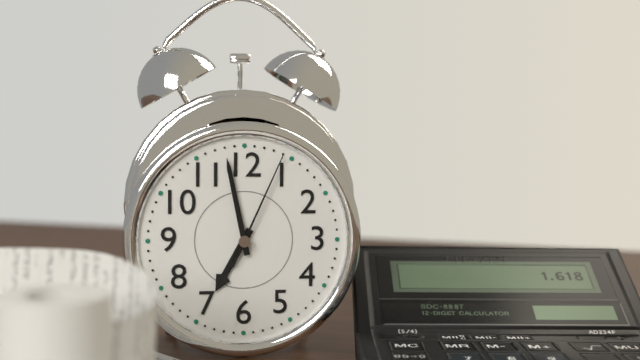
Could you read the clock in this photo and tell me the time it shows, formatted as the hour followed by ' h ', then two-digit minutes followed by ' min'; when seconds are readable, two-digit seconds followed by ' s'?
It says 6 h 58 min 04 s
